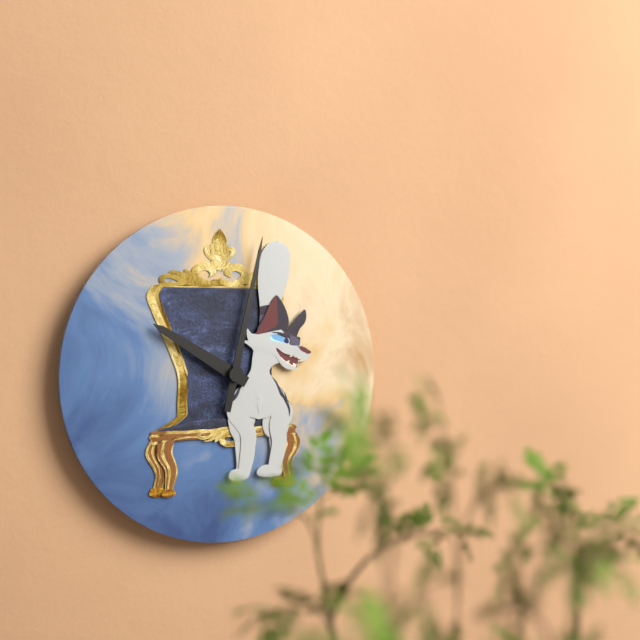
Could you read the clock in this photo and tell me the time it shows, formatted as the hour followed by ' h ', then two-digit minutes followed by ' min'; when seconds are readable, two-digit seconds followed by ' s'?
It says 10 h 02 min
